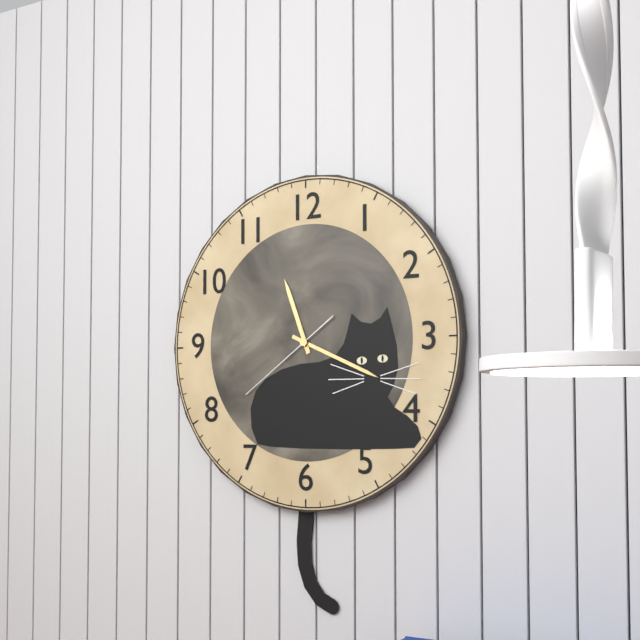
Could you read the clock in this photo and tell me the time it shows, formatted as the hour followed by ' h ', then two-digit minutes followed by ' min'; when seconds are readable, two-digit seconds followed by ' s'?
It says 11 h 19 min 39 s
